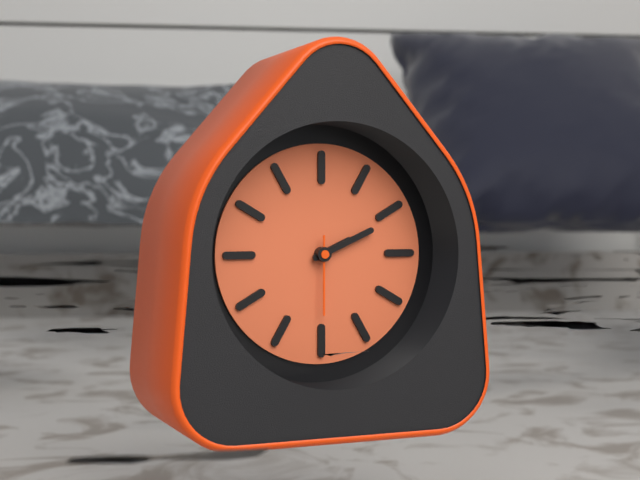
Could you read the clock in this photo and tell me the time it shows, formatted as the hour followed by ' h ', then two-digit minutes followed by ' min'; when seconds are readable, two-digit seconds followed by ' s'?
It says 2 h 11 min 30 s
